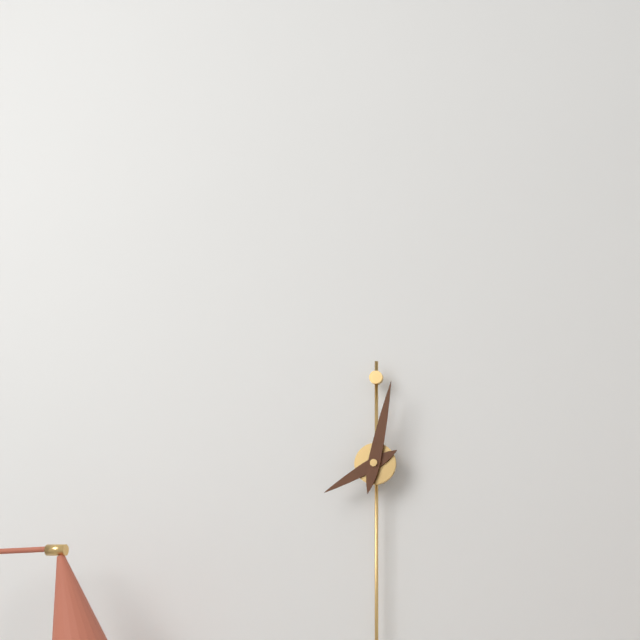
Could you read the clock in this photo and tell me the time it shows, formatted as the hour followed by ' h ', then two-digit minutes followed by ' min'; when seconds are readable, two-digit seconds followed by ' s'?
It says 8 h 02 min
